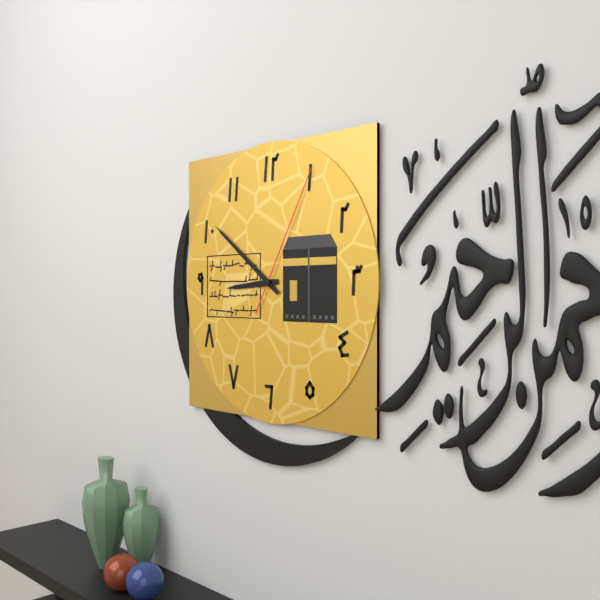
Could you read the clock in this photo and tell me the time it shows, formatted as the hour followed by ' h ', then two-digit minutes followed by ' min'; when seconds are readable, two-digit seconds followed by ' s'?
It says 8 h 51 min 05 s
